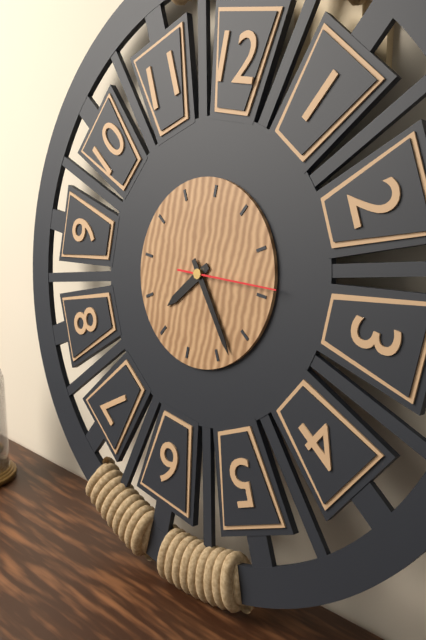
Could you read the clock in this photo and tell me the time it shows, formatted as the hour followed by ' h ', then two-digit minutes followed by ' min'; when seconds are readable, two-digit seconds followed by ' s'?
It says 7 h 23 min 14 s
